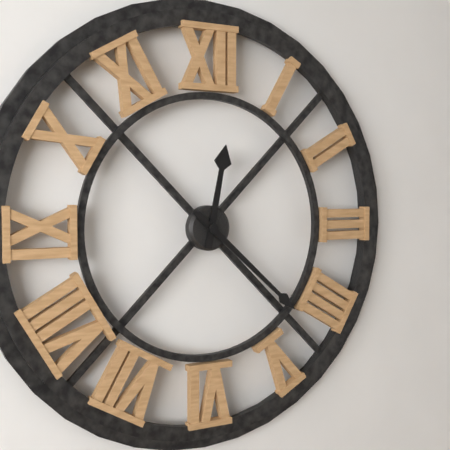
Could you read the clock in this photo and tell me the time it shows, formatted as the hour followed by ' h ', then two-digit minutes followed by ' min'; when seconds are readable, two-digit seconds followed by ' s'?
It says 12 h 22 min
